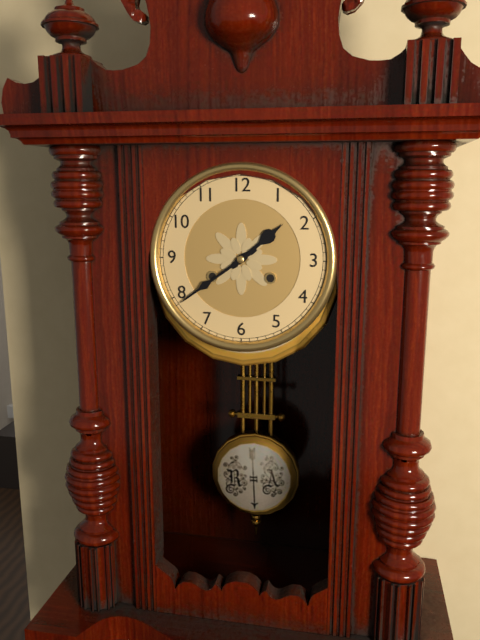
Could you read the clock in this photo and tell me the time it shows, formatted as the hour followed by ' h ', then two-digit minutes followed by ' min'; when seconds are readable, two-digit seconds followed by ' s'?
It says 1 h 39 min
